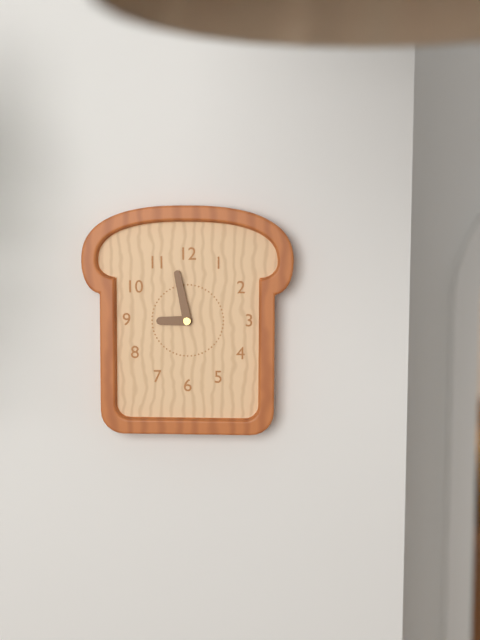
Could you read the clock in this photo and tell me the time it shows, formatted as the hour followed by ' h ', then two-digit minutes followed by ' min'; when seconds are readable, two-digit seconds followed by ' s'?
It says 8 h 58 min
